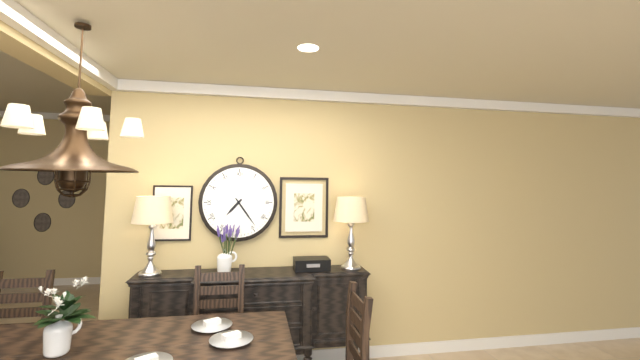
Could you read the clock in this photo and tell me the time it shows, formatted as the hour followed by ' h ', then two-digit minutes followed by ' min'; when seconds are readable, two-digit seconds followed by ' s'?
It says 7 h 24 min
